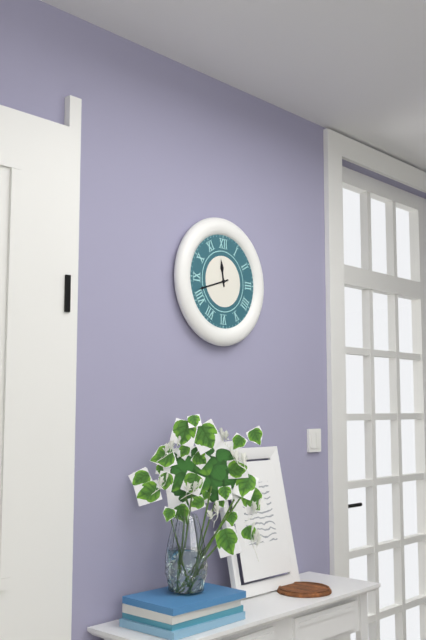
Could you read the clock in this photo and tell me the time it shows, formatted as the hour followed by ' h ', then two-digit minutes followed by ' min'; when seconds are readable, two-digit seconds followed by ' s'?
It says 11 h 42 min
